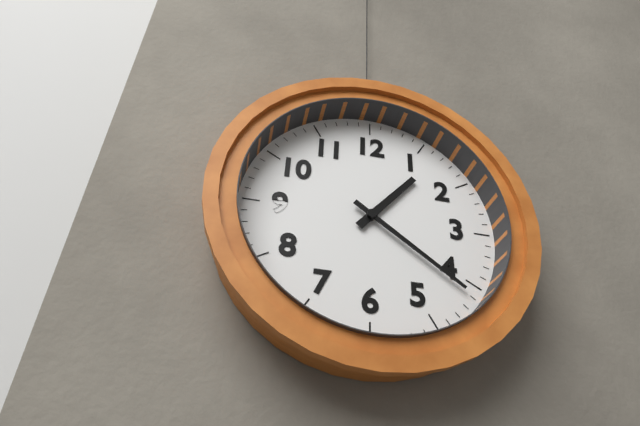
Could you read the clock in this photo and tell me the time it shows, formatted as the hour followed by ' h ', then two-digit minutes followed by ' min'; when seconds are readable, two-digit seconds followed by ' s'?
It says 1 h 21 min
